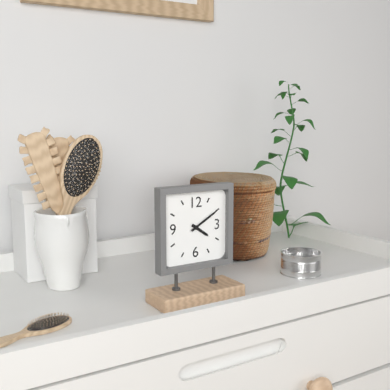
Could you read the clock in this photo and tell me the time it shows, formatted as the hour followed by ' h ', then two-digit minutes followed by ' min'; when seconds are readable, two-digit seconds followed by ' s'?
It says 4 h 10 min
